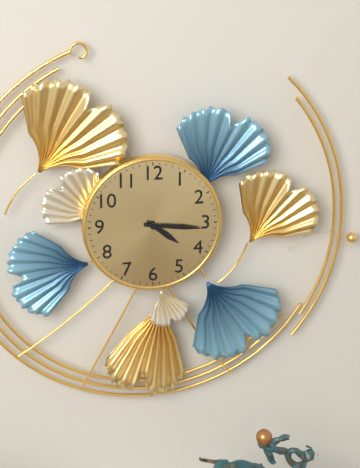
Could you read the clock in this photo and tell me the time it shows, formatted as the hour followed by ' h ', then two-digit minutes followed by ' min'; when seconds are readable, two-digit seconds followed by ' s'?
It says 4 h 16 min
